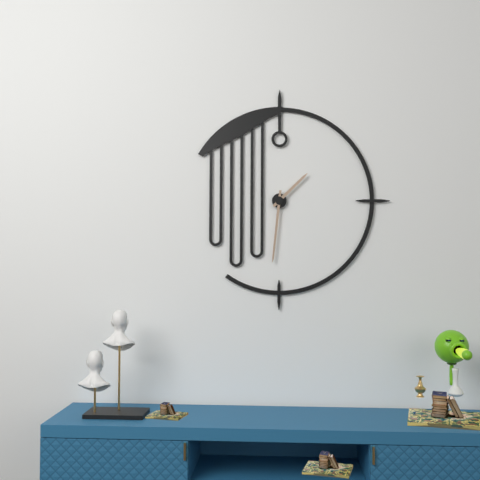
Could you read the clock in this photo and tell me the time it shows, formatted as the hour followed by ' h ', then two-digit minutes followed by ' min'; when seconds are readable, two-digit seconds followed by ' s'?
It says 1 h 31 min
